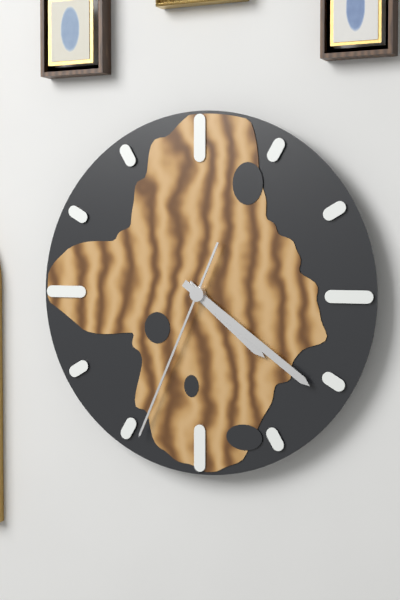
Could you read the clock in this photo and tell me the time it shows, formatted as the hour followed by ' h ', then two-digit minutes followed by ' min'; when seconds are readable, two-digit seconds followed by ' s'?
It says 4 h 21 min 34 s
